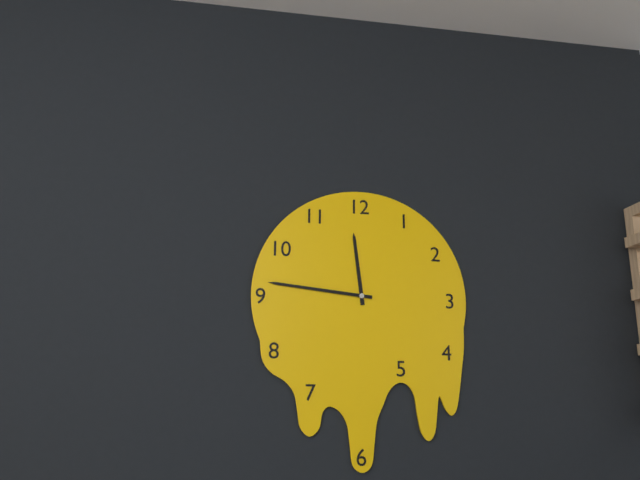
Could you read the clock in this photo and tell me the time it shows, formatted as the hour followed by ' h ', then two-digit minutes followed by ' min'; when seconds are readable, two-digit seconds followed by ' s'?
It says 11 h 46 min
